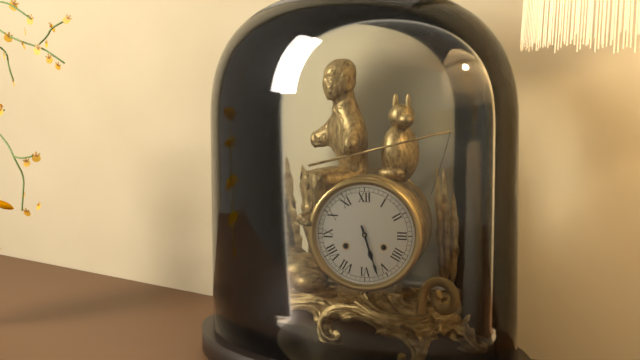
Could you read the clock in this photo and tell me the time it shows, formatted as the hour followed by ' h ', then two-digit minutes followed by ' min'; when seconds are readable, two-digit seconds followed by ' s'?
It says 5 h 27 min
